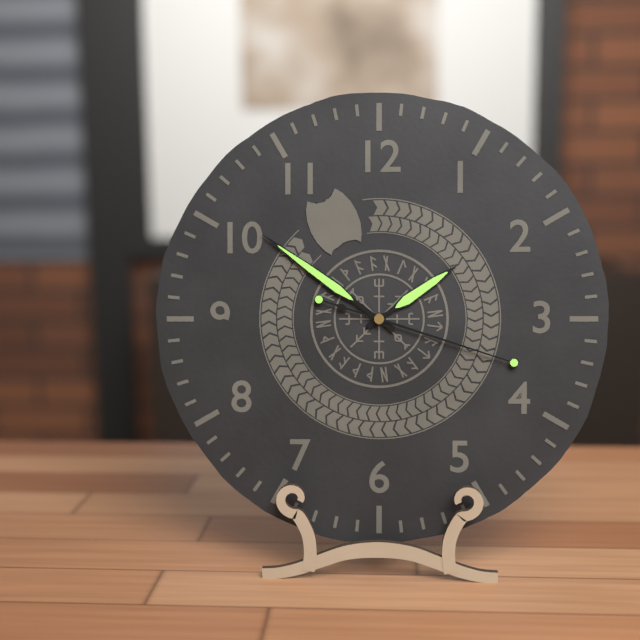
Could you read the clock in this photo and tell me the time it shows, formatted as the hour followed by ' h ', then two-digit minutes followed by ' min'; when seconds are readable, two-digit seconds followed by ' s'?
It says 1 h 51 min 18 s
